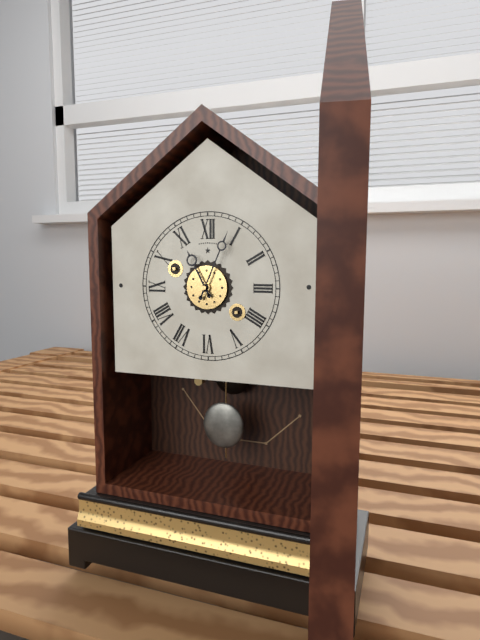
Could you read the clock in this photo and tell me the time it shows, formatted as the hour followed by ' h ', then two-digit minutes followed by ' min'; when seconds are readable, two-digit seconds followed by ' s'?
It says 11 h 04 min
